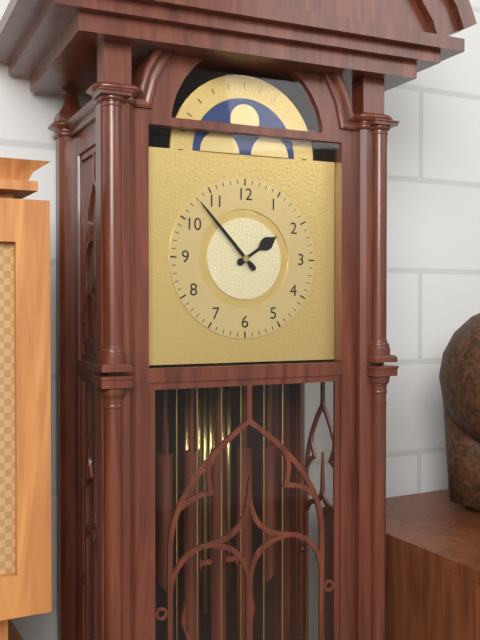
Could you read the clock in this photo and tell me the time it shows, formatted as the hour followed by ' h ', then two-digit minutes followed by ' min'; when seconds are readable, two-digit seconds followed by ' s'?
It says 1 h 53 min
